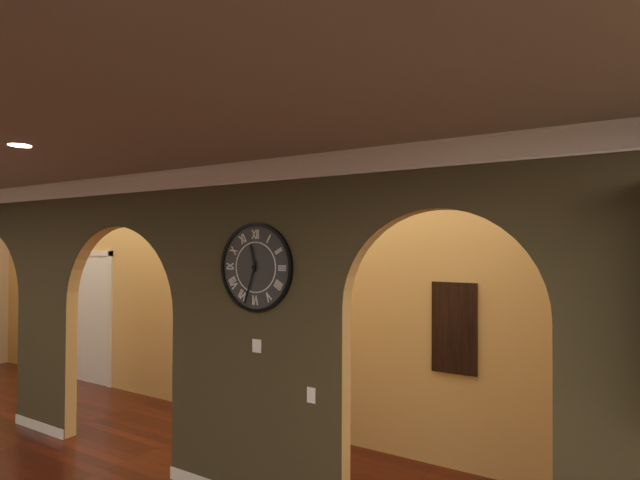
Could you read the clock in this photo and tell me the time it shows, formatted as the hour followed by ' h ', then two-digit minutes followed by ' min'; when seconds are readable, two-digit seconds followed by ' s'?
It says 11 h 33 min
